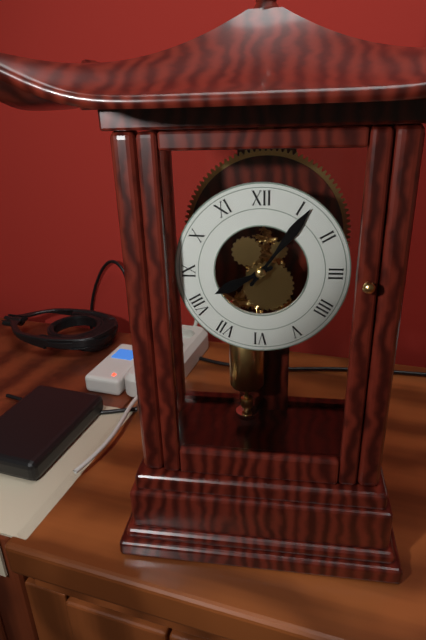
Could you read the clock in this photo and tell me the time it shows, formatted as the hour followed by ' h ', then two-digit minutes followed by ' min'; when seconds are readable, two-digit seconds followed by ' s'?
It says 8 h 06 min
